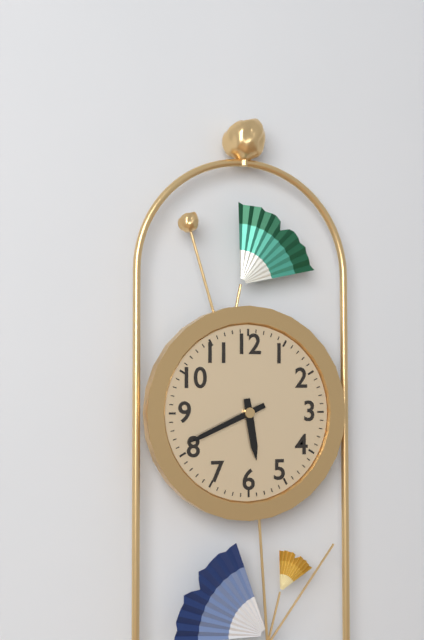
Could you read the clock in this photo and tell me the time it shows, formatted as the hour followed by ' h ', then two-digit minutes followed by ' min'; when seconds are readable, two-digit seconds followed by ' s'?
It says 5 h 41 min
